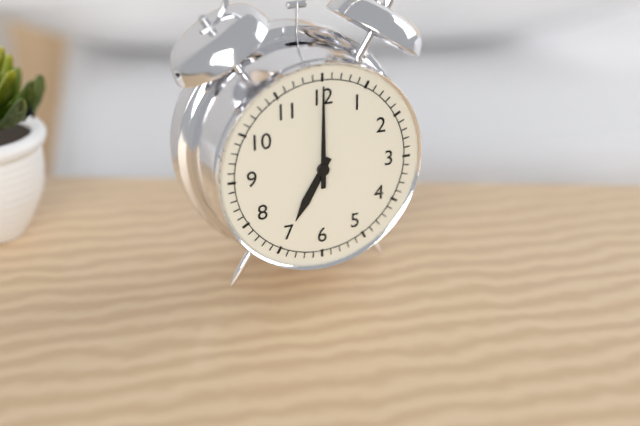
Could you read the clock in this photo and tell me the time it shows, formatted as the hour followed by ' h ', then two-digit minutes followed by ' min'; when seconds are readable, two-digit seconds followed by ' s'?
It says 7 h 00 min
